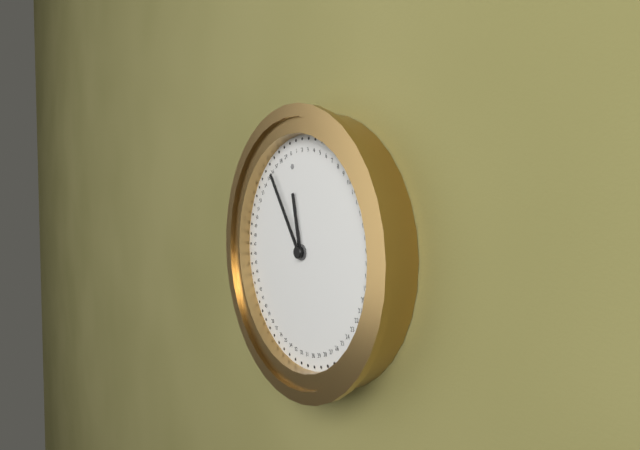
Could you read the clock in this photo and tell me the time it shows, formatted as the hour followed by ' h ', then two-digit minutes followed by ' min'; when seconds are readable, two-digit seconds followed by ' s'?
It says 11 h 56 min
